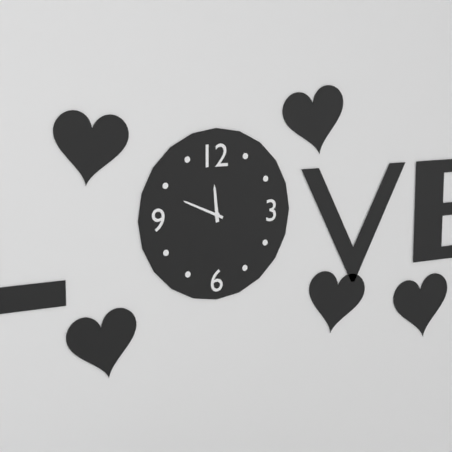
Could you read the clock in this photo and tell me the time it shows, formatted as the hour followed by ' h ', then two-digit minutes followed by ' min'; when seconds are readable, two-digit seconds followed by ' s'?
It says 11 h 49 min
